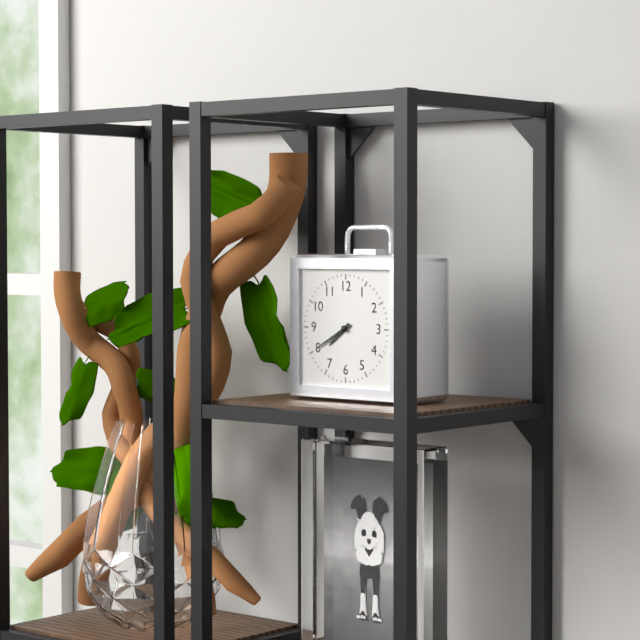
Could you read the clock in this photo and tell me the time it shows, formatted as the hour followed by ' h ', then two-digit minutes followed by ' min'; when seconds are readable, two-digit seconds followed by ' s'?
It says 7 h 40 min
